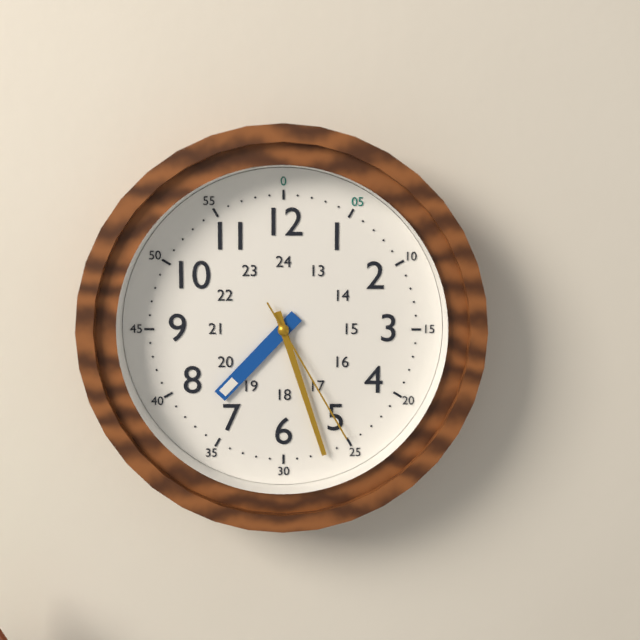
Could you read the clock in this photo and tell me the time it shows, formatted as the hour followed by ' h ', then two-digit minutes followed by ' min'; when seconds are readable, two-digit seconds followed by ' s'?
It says 7 h 27 min 25 s
